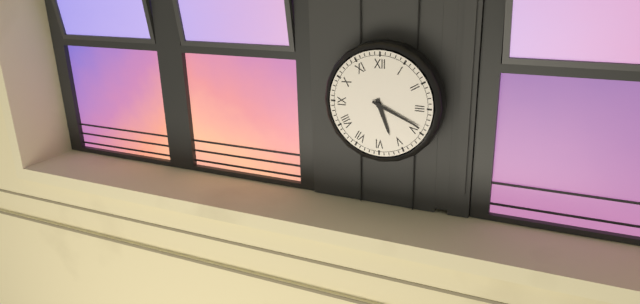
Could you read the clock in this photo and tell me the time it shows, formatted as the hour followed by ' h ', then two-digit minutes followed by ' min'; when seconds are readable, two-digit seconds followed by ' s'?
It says 5 h 19 min
